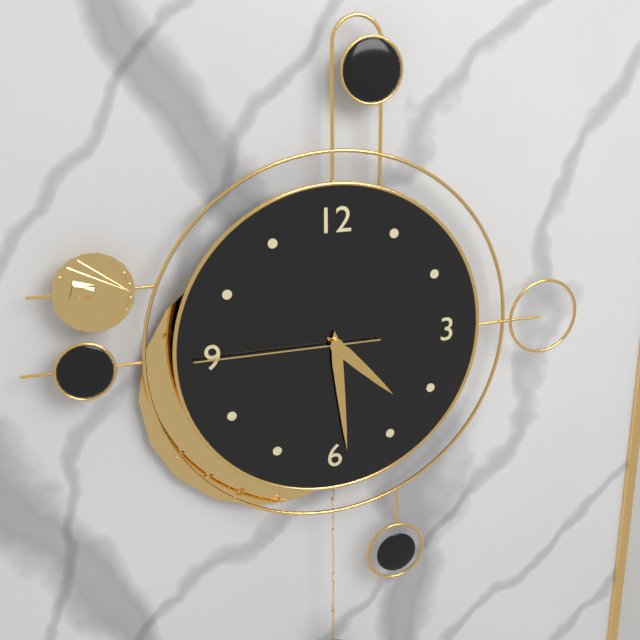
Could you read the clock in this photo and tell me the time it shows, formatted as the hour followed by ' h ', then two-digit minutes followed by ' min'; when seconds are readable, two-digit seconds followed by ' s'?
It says 4 h 29 min 45 s
